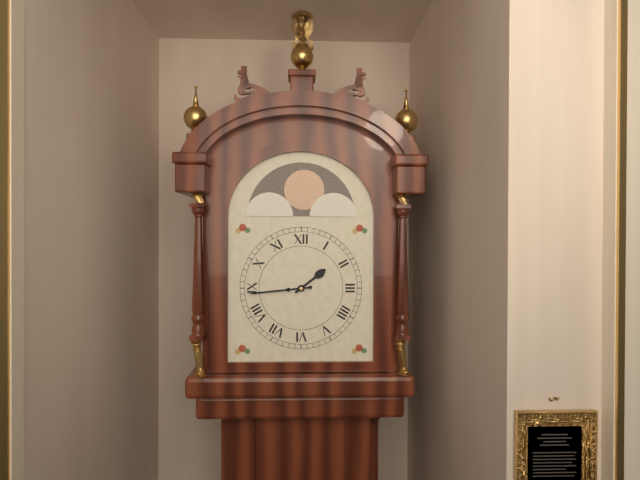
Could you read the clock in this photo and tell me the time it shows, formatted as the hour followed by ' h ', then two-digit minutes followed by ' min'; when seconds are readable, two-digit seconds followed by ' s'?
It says 1 h 44 min
